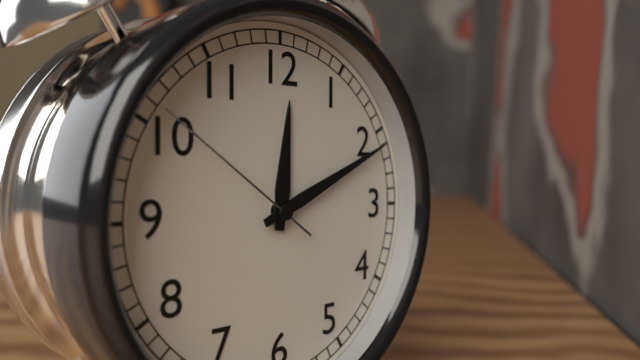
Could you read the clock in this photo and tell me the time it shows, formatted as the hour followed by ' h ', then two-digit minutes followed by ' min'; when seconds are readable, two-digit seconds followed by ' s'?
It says 12 h 11 min 51 s
